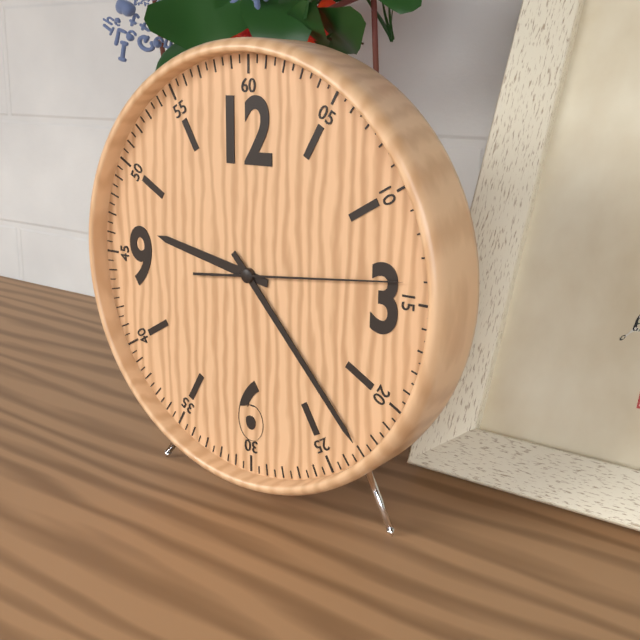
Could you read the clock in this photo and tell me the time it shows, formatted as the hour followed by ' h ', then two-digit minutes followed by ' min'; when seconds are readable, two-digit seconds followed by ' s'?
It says 9 h 23 min 14 s
